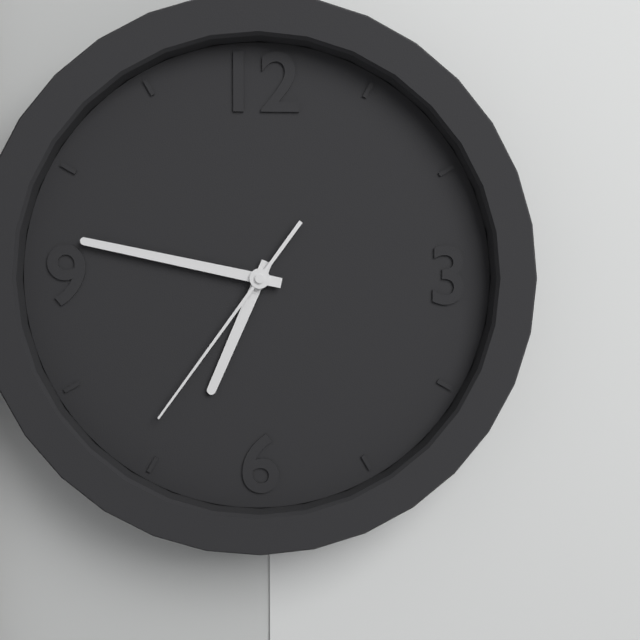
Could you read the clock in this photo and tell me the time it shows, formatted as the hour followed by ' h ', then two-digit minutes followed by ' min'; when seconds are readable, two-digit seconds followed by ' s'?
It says 6 h 47 min 36 s
